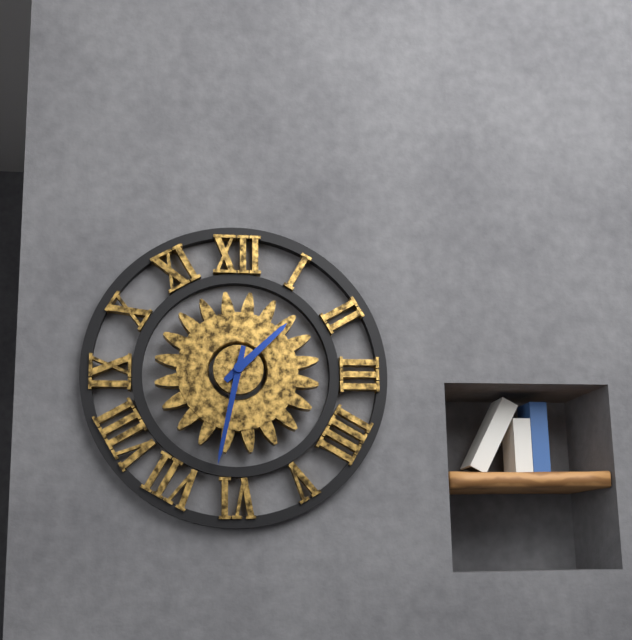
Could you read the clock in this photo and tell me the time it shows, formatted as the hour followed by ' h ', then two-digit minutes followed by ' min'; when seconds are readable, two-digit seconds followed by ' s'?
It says 1 h 32 min
